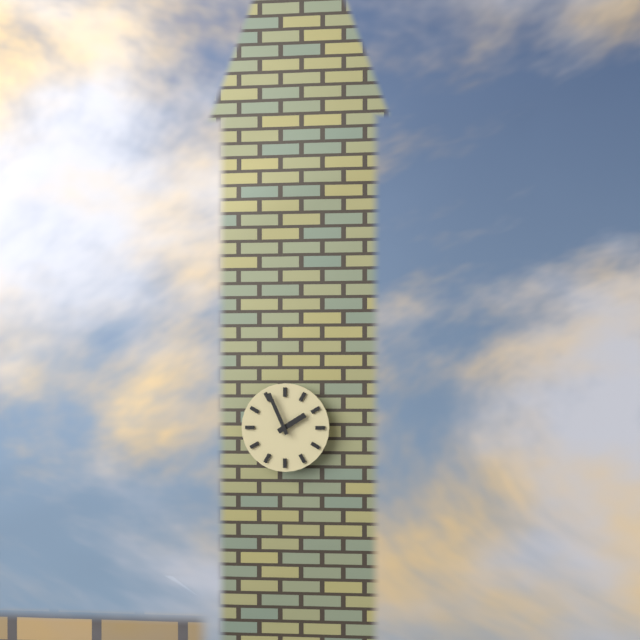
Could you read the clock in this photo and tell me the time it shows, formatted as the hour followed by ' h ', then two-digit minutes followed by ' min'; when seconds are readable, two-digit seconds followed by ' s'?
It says 1 h 56 min
